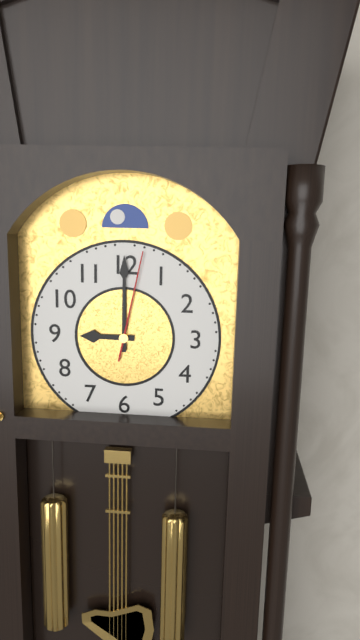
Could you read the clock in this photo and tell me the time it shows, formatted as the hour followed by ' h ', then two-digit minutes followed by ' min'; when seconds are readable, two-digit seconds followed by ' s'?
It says 9 h 00 min 02 s
